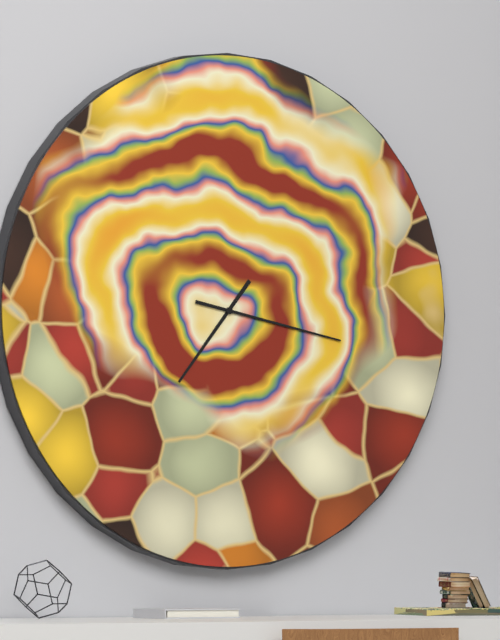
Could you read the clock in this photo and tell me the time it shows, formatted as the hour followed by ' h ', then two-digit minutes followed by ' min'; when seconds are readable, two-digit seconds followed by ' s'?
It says 7 h 17 min
